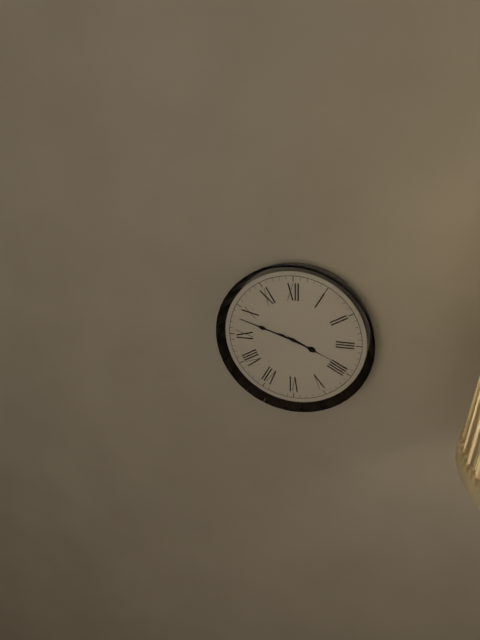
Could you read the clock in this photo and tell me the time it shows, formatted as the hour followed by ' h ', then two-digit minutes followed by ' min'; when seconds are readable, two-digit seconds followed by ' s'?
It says 3 h 48 min 19 s
